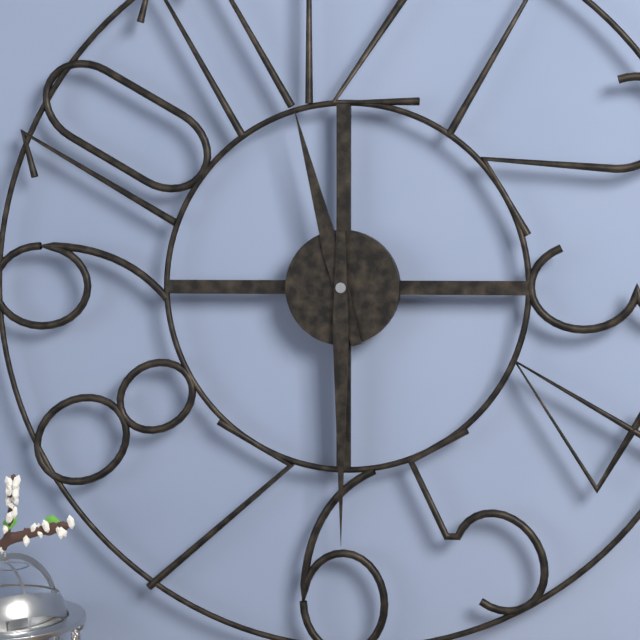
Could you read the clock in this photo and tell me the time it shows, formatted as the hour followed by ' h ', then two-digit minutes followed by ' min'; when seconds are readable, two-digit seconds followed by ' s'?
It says 11 h 30 min
